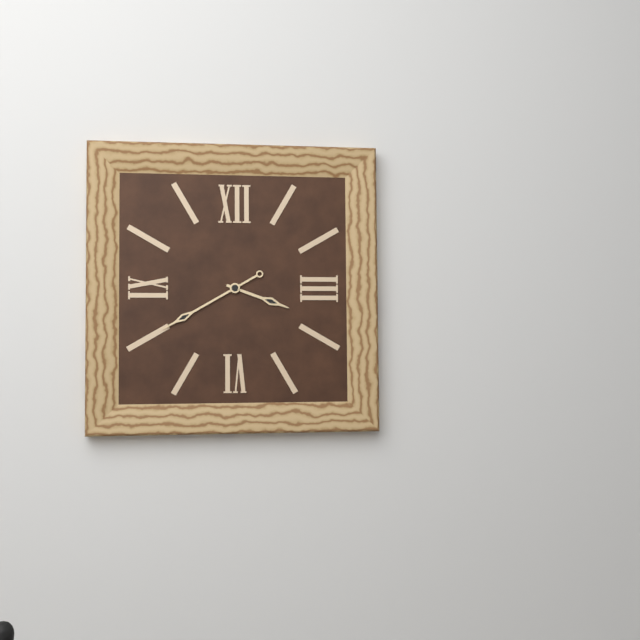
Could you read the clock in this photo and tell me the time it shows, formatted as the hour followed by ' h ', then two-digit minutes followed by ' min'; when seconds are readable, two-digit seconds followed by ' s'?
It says 3 h 40 min
